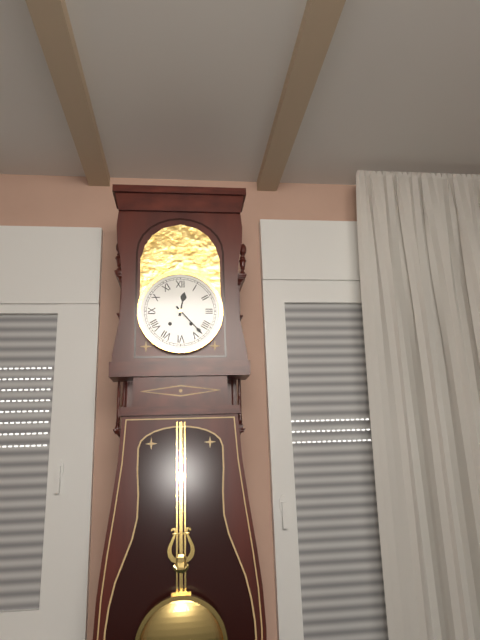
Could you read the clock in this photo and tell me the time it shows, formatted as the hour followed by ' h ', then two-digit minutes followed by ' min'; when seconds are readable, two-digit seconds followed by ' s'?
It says 12 h 23 min
